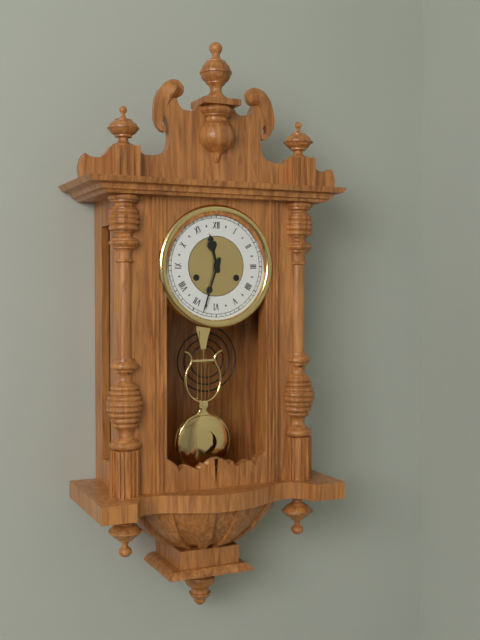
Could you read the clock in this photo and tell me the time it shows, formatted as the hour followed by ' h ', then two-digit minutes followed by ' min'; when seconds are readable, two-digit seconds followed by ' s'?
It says 11 h 33 min
